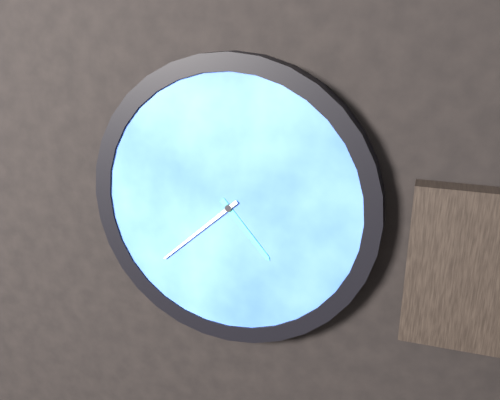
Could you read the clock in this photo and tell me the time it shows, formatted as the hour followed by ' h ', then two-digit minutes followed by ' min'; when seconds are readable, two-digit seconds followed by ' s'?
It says 4 h 38 min
